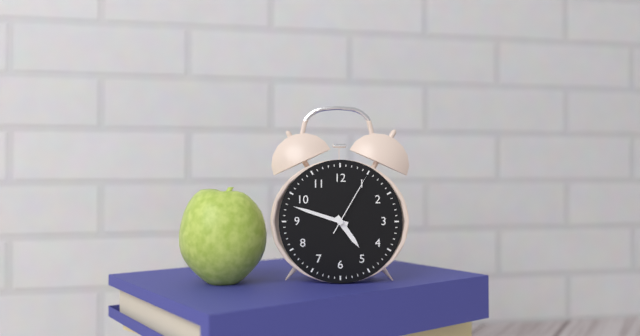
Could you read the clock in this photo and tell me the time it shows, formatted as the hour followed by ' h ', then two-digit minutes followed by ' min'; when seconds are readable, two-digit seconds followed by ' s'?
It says 4 h 48 min 05 s
